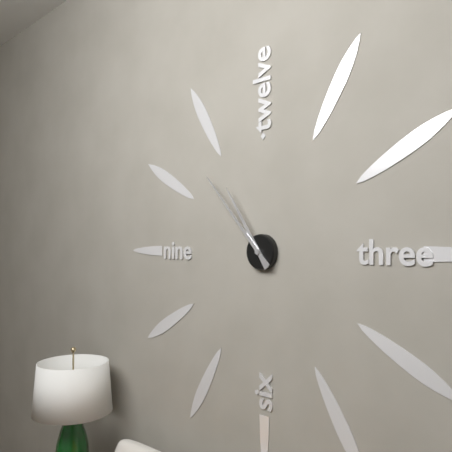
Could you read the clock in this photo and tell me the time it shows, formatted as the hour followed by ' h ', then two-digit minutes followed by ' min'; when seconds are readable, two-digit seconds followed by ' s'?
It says 10 h 53 min
